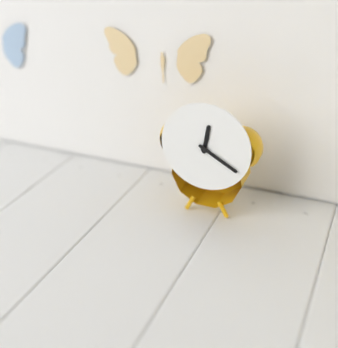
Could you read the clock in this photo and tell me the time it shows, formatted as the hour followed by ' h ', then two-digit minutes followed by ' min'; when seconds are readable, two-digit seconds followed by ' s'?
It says 12 h 20 min
